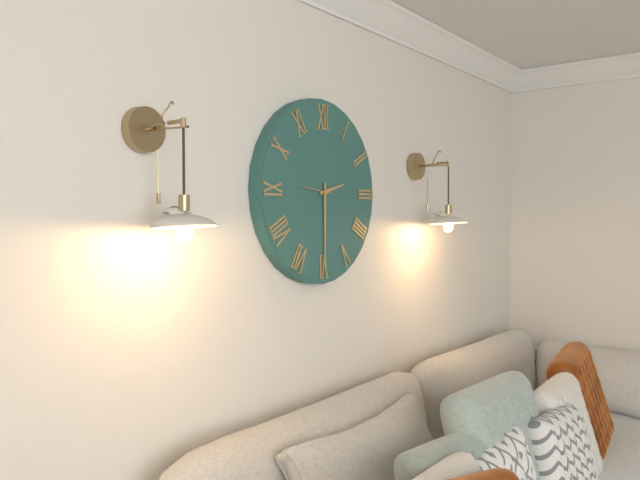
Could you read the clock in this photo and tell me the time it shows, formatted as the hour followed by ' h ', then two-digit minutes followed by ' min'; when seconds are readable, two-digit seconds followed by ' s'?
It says 2 h 30 min
